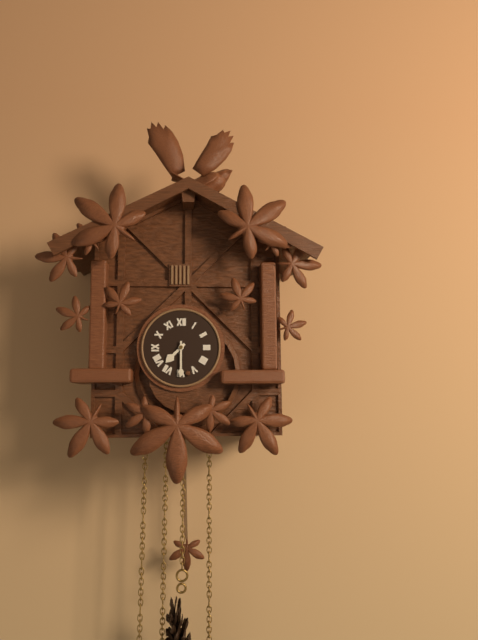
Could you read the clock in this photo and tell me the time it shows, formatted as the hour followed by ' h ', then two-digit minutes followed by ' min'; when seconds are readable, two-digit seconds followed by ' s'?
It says 7 h 30 min
